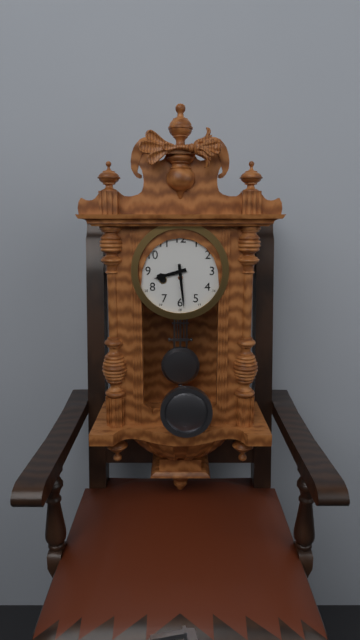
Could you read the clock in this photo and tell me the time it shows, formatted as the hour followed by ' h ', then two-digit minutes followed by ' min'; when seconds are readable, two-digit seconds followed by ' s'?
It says 8 h 29 min
